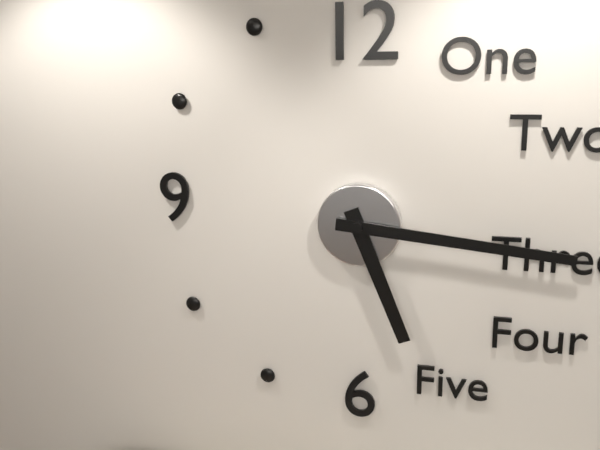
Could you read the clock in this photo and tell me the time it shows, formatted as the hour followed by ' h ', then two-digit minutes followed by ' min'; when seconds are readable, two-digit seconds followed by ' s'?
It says 5 h 16 min
